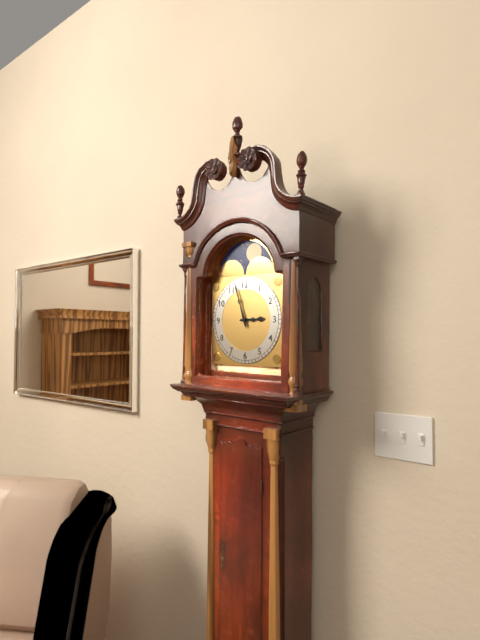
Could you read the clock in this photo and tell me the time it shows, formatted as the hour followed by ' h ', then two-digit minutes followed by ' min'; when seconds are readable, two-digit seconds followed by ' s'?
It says 2 h 57 min
